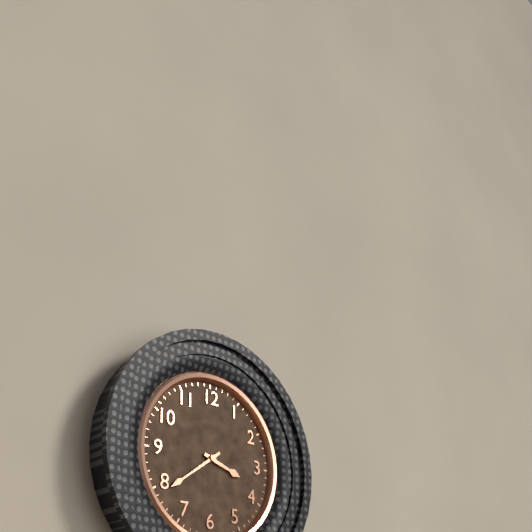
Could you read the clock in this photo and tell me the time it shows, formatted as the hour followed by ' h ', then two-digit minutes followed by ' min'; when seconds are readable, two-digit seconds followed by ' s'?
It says 3 h 39 min
